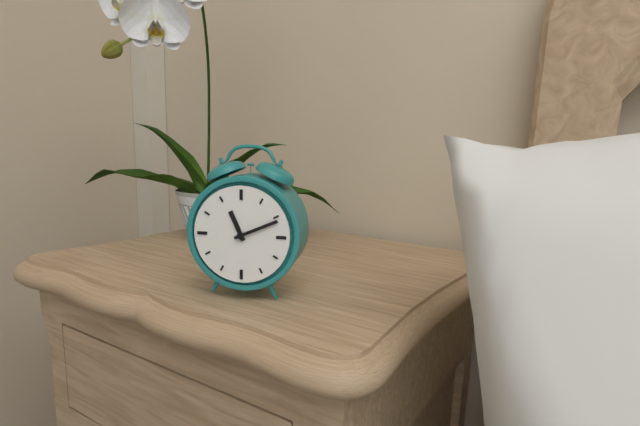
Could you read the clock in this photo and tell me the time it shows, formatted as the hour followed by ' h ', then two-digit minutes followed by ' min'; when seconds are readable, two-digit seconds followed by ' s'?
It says 11 h 11 min
